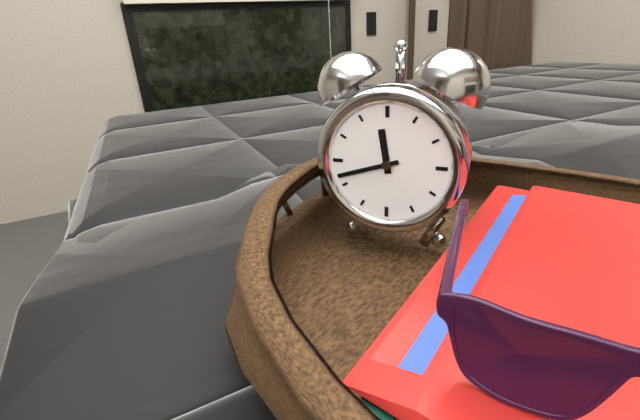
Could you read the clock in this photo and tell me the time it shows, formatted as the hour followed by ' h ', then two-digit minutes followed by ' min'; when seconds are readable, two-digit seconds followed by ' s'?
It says 11 h 42 min
